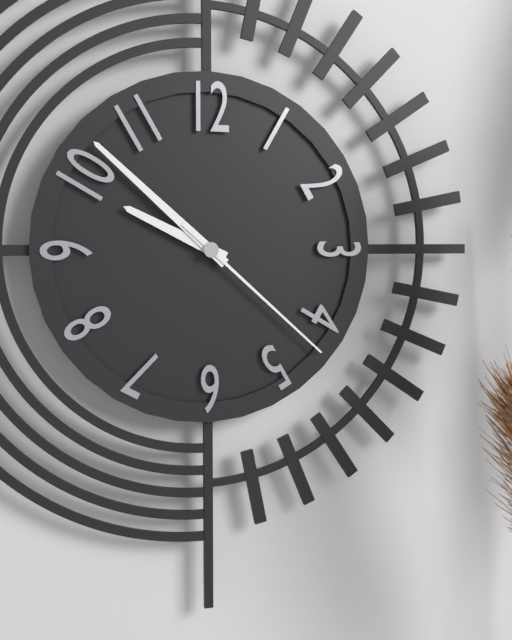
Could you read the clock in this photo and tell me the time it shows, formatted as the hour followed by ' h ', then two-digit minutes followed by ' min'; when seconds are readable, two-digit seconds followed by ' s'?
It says 9 h 52 min 22 s
